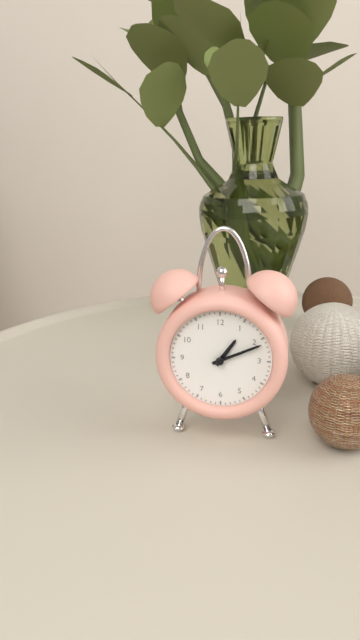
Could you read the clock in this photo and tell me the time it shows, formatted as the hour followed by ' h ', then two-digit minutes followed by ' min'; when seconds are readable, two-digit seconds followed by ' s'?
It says 1 h 11 min
